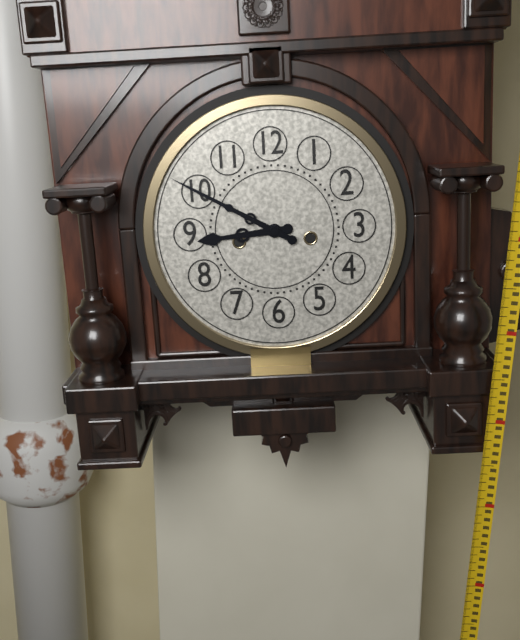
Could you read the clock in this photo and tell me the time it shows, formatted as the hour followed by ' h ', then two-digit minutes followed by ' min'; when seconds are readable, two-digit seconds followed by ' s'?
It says 8 h 50 min
